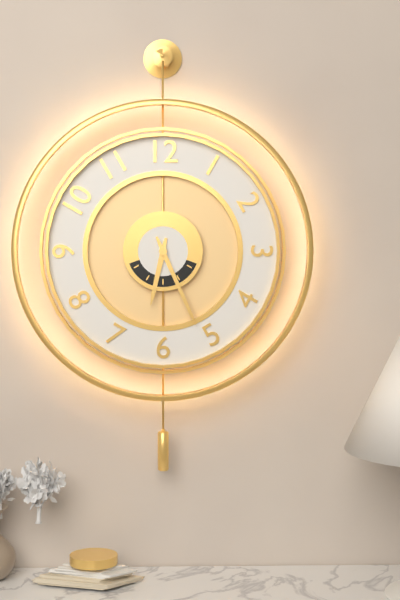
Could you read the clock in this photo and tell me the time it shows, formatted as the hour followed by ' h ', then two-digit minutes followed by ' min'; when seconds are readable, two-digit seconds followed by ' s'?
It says 6 h 26 min
